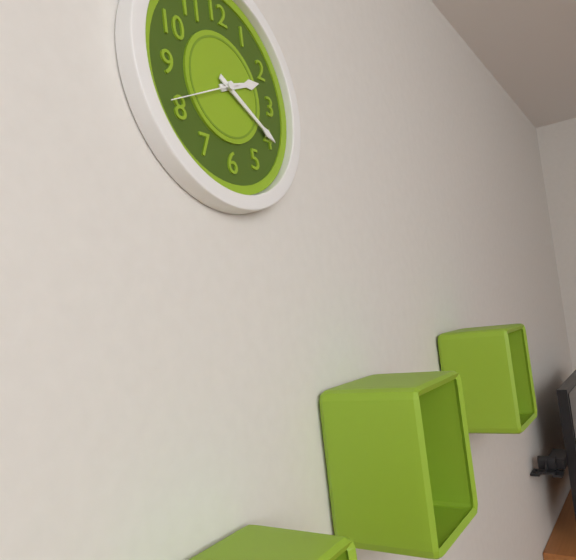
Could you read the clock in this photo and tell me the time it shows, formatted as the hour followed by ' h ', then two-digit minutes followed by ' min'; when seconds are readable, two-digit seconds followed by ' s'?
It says 2 h 20 min 41 s
